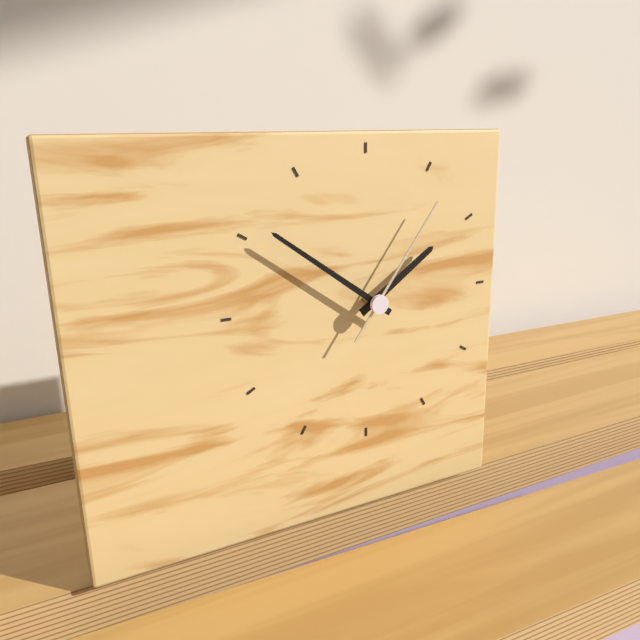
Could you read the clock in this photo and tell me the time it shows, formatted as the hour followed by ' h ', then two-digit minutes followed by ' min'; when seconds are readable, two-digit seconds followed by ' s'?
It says 1 h 51 min 06 s
